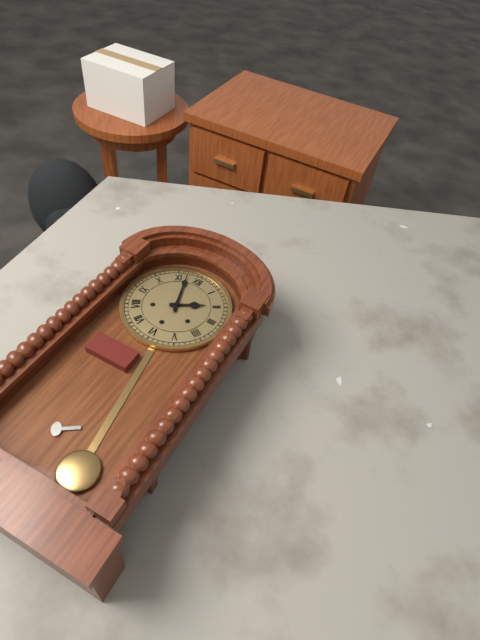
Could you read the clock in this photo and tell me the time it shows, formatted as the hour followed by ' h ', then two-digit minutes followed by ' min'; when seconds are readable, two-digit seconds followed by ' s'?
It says 1 h 57 min
